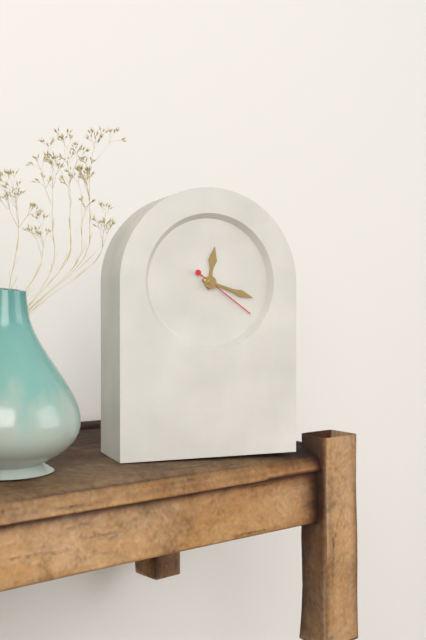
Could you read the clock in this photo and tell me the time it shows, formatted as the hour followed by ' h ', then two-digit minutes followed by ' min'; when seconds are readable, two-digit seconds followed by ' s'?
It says 12 h 18 min 21 s
